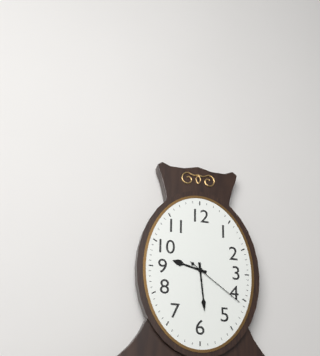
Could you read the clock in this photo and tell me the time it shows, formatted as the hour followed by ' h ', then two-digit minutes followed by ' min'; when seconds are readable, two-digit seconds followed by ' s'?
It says 9 h 29 min 21 s
